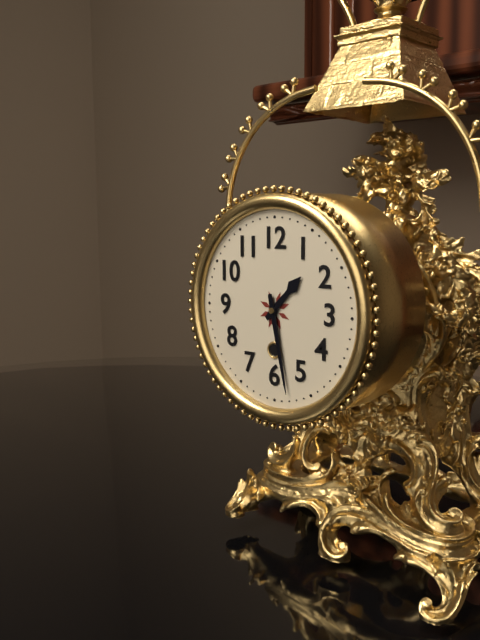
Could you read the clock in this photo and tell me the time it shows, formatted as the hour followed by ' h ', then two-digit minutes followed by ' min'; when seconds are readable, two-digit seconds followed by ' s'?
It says 1 h 28 min
